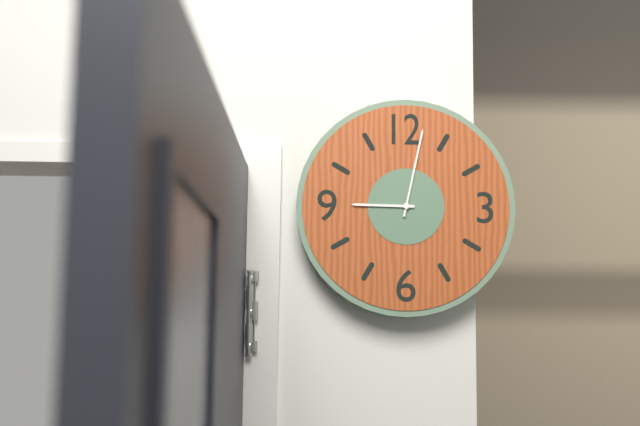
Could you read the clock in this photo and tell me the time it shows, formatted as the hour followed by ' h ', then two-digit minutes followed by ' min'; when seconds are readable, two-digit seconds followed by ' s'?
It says 9 h 02 min
